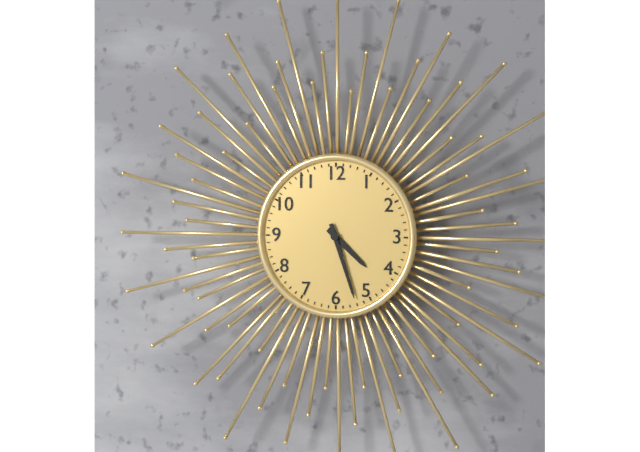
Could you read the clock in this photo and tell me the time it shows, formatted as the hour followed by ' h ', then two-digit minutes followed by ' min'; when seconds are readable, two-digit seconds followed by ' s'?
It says 4 h 27 min
